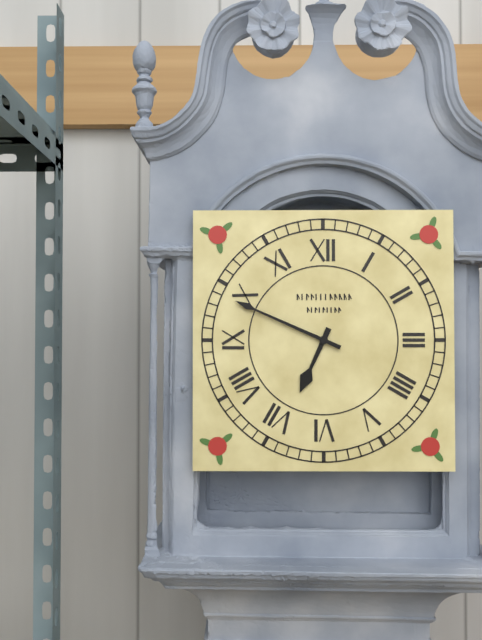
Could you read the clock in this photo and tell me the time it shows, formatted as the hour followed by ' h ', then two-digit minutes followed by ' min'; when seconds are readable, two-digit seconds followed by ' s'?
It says 6 h 49 min
